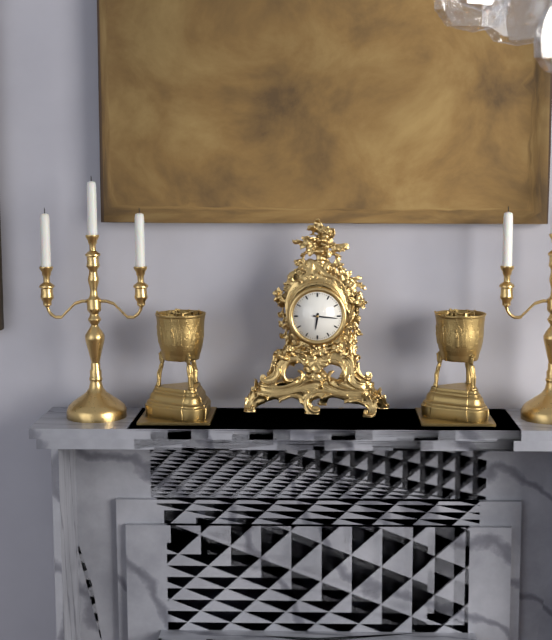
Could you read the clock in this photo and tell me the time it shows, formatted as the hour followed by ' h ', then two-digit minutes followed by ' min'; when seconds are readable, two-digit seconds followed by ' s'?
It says 6 h 16 min
